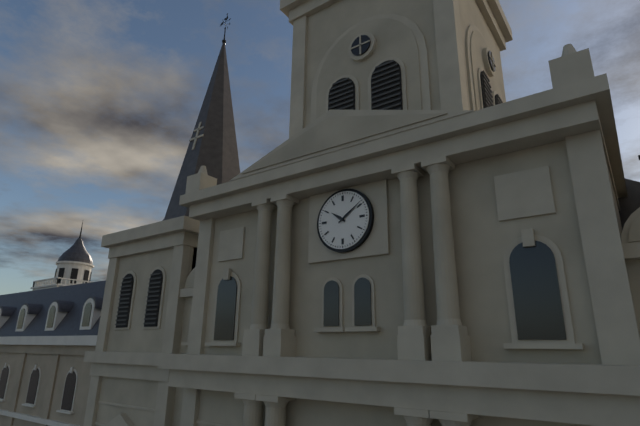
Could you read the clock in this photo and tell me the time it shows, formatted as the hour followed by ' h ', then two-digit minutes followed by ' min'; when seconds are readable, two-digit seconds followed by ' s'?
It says 10 h 09 min
